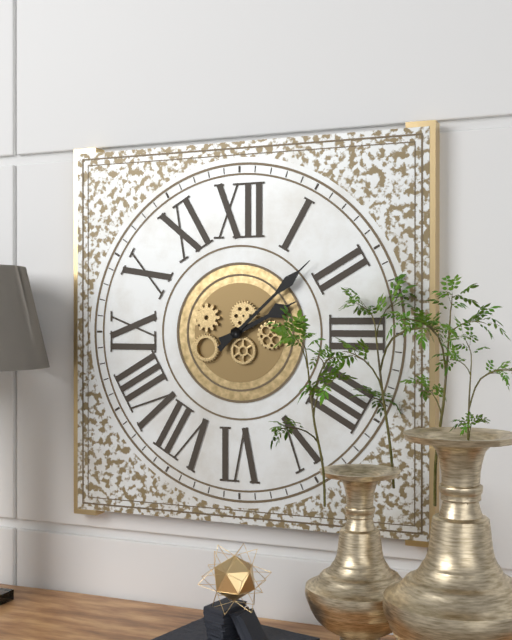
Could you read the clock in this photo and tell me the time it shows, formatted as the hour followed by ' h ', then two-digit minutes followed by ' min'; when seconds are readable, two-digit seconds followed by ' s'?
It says 2 h 08 min
